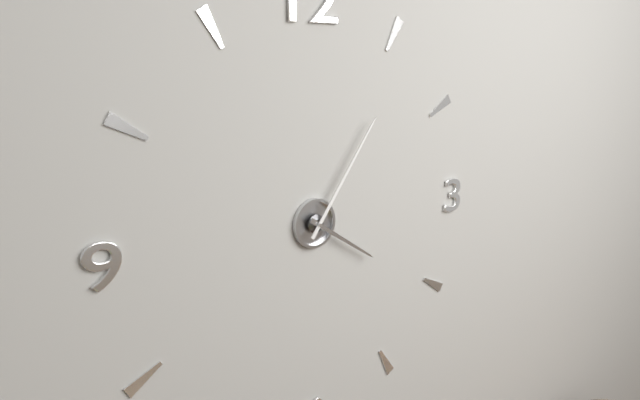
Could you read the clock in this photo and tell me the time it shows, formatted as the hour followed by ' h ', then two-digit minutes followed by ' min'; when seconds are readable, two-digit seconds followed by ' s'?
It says 4 h 06 min
